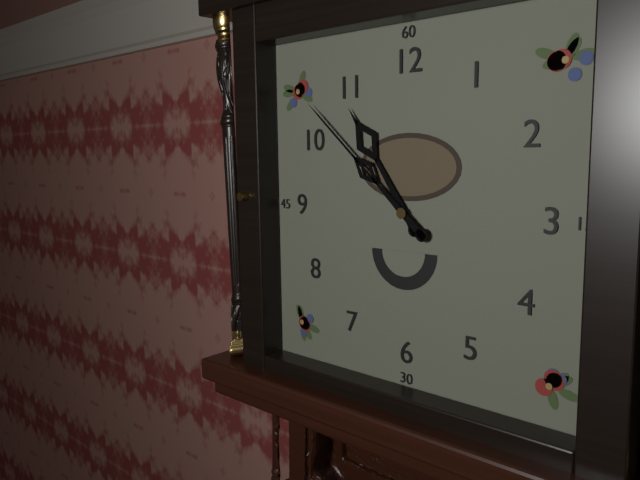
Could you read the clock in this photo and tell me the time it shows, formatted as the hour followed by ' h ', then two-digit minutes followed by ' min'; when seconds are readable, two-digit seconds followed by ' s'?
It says 10 h 52 min
